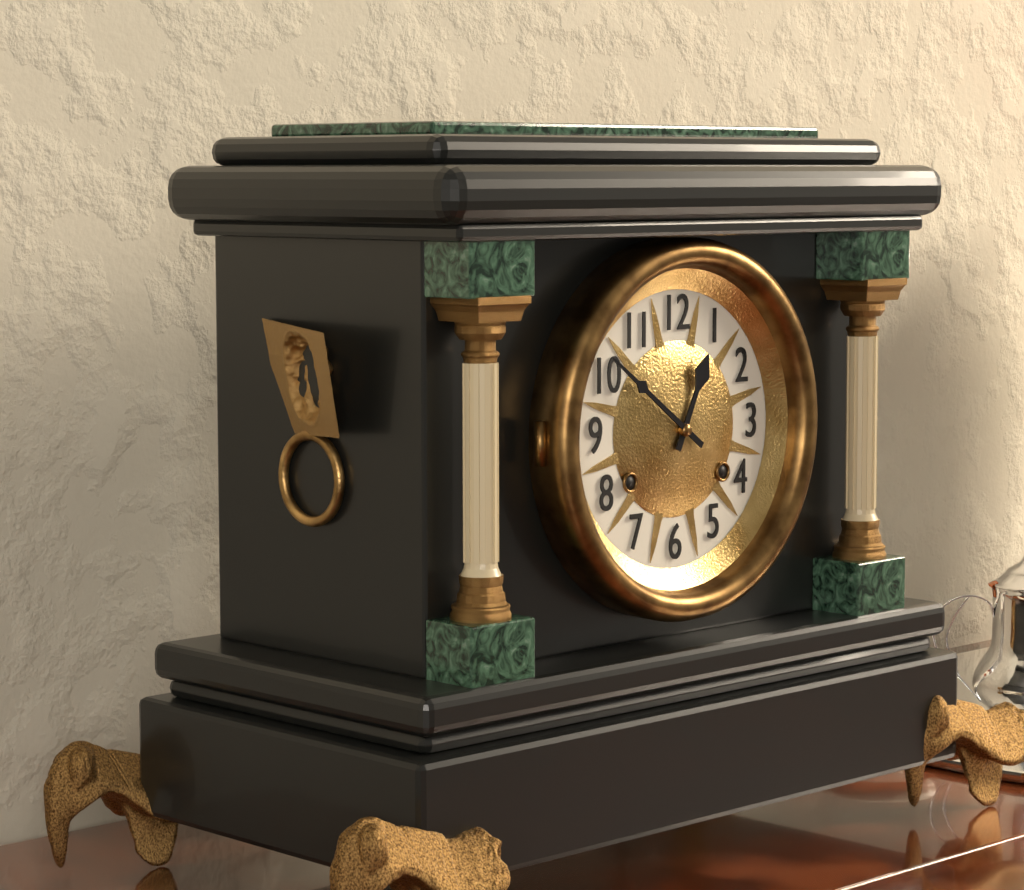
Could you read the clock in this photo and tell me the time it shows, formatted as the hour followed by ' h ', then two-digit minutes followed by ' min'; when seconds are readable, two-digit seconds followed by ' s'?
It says 12 h 51 min
